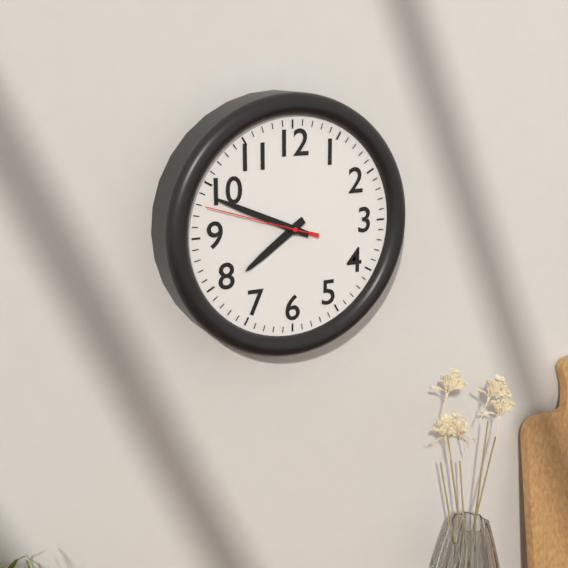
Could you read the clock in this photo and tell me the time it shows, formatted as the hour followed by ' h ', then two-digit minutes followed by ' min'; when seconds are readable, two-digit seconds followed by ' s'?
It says 7 h 49 min 48 s
